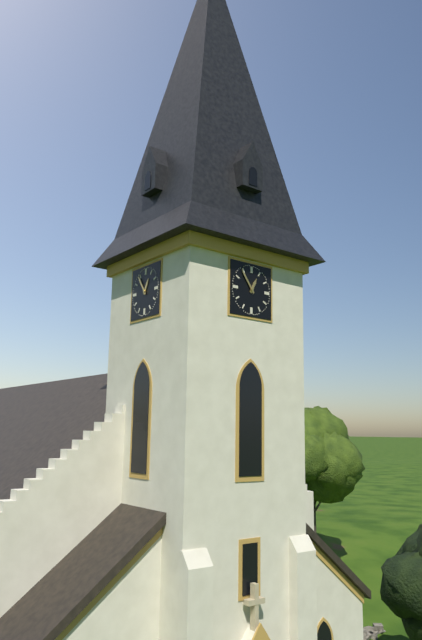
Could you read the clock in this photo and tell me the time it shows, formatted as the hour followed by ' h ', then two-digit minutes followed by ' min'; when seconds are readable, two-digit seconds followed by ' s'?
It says 12 h 54 min
